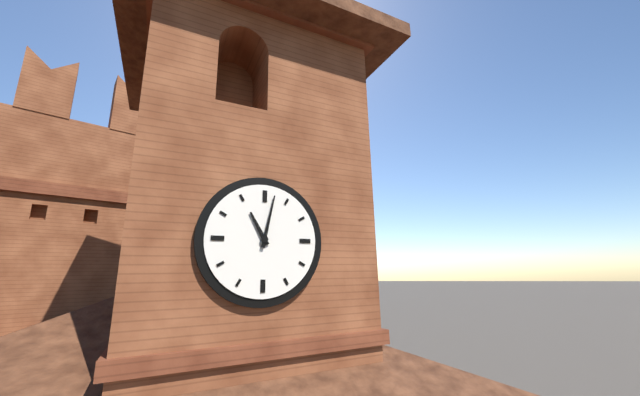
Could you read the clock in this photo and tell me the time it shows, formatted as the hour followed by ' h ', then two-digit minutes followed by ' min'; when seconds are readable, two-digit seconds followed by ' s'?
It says 11 h 02 min
